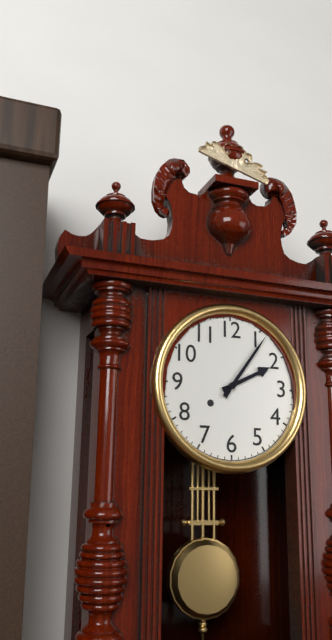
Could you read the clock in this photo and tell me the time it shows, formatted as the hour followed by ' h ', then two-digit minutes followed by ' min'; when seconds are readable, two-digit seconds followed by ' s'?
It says 2 h 06 min
